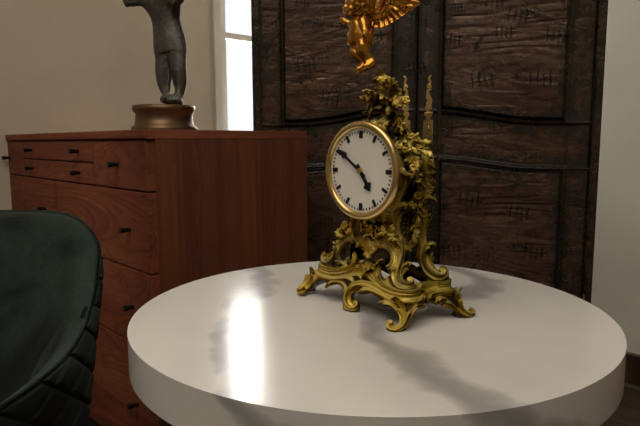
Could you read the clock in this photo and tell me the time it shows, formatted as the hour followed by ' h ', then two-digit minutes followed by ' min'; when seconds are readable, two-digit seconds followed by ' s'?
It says 4 h 51 min
